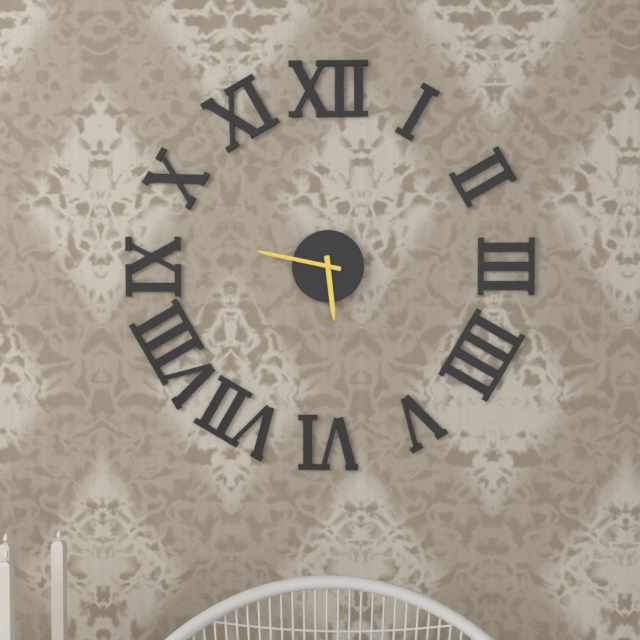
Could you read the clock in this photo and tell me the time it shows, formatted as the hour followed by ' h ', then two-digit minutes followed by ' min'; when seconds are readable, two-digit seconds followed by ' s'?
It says 5 h 47 min
